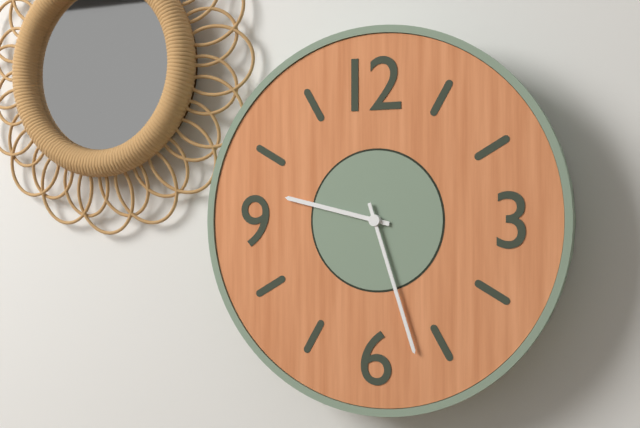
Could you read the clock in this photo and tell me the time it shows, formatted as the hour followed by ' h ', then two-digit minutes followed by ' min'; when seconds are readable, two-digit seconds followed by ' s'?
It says 9 h 27 min
